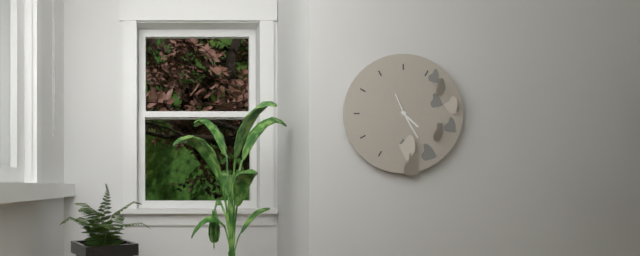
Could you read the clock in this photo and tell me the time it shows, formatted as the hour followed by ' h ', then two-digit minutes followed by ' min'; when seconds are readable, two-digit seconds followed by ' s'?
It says 4 h 25 min
